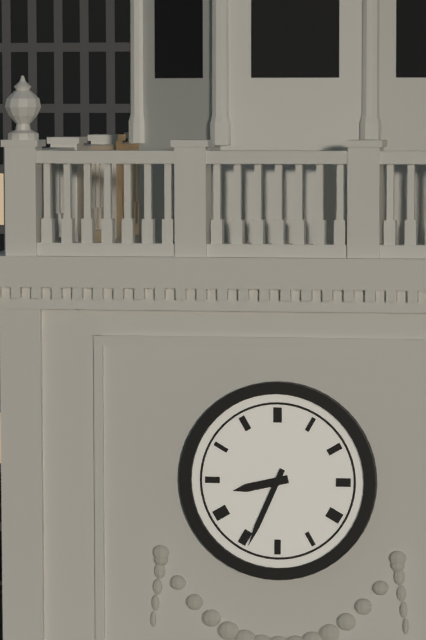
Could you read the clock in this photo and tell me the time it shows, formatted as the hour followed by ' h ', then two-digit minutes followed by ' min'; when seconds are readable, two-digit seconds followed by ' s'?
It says 8 h 34 min
